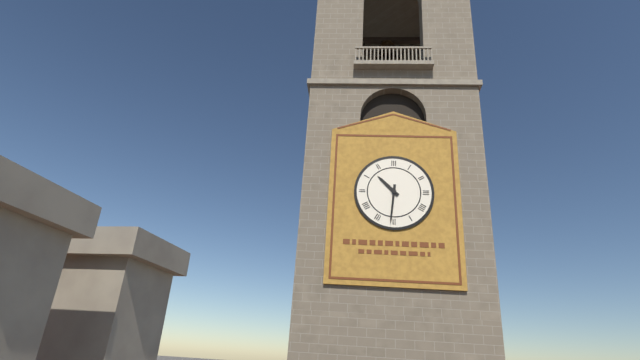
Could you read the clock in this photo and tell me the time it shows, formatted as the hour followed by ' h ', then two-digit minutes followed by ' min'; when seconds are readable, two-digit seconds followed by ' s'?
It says 10 h 31 min
